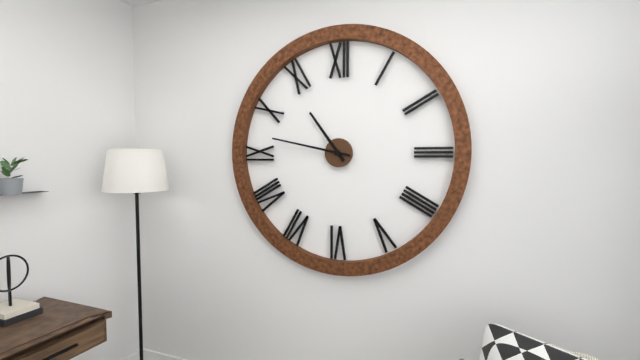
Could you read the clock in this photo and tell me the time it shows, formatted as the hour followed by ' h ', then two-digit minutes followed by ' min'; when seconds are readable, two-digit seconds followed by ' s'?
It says 10 h 47 min
